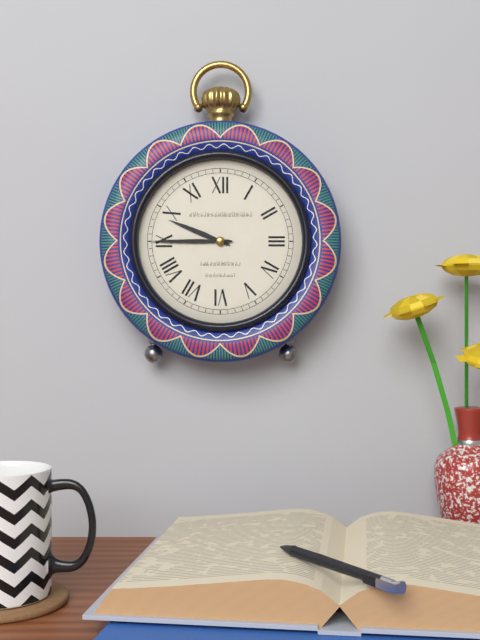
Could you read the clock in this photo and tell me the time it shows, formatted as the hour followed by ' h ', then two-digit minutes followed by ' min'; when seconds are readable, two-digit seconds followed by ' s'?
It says 9 h 45 min
